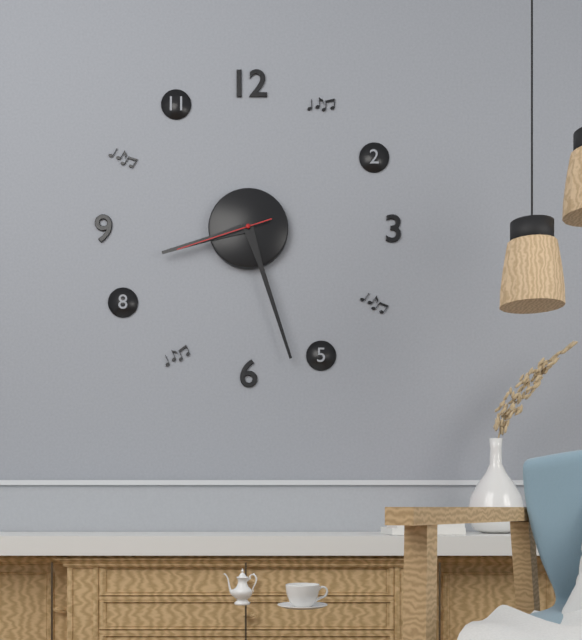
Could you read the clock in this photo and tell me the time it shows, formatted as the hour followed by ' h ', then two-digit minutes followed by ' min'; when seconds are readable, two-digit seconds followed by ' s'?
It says 8 h 27 min 42 s
